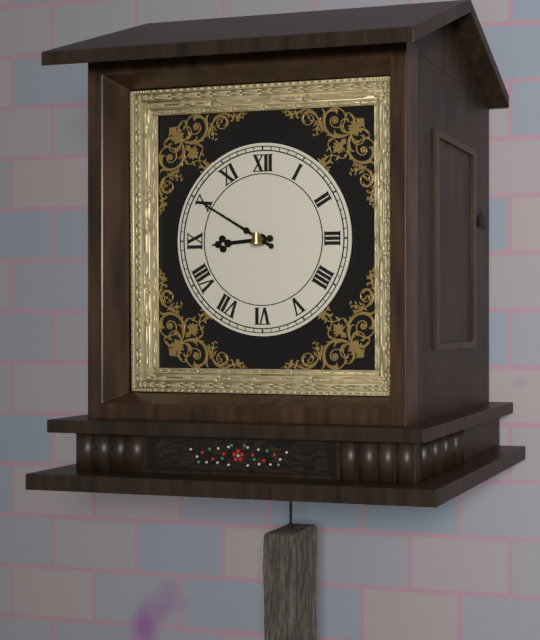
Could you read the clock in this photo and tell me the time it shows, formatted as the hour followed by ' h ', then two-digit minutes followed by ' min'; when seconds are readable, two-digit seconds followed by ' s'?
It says 8 h 50 min
